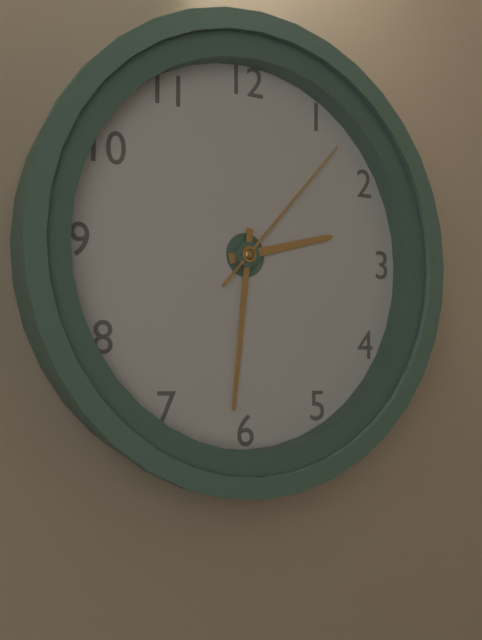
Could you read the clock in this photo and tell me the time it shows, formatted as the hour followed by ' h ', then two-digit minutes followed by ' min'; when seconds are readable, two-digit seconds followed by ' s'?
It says 2 h 31 min 07 s
